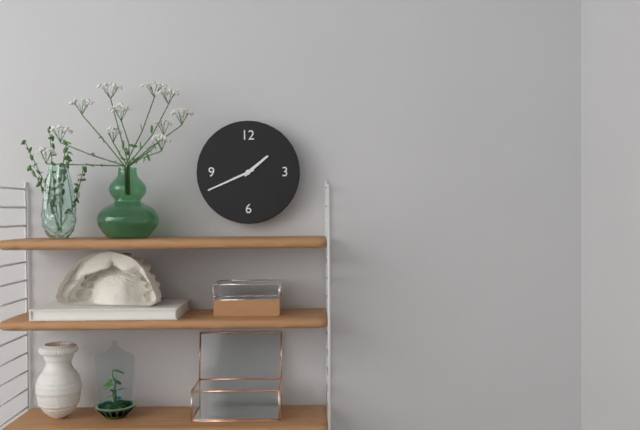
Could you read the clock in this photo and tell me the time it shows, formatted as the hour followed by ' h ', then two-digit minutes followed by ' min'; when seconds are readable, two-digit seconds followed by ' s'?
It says 1 h 41 min
